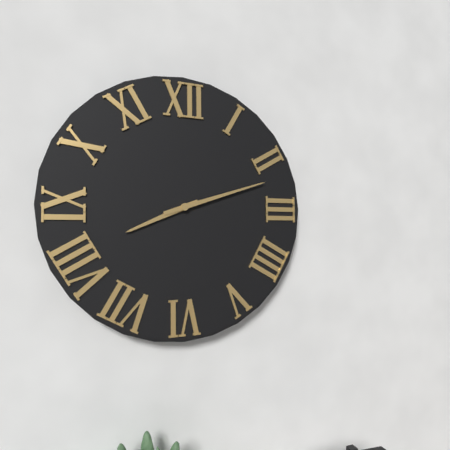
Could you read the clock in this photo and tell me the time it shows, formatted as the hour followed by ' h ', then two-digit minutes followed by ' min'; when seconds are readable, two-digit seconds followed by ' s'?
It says 8 h 12 min
